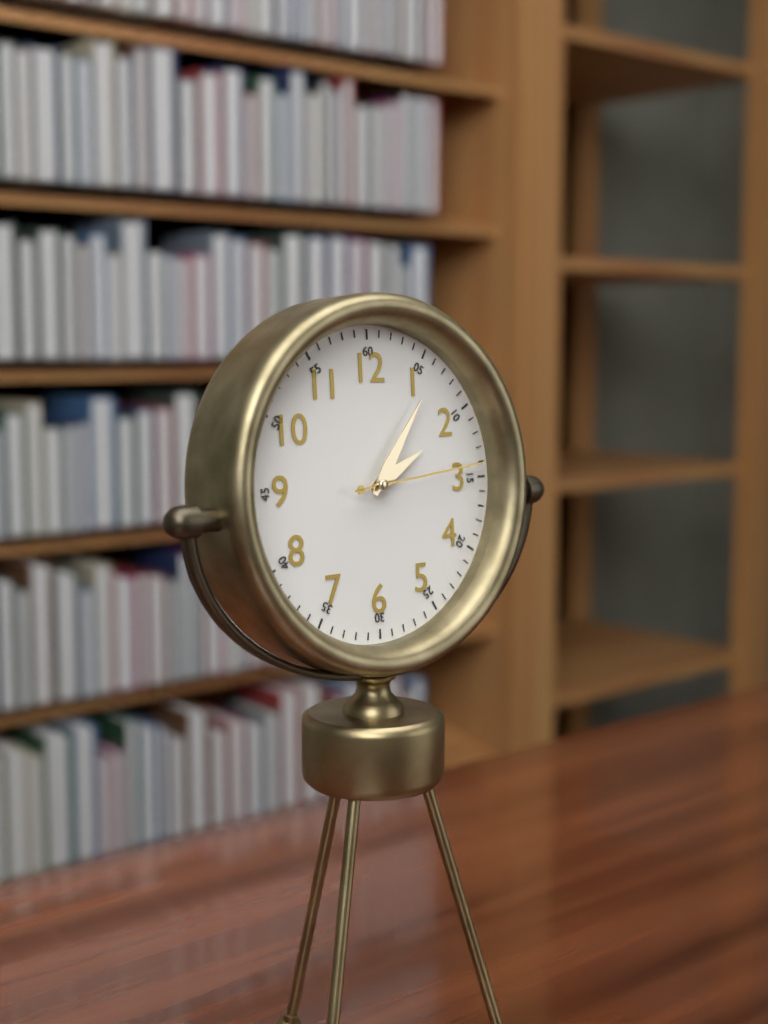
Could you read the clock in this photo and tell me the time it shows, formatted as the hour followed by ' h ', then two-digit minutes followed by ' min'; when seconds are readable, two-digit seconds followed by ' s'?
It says 2 h 06 min 14 s
